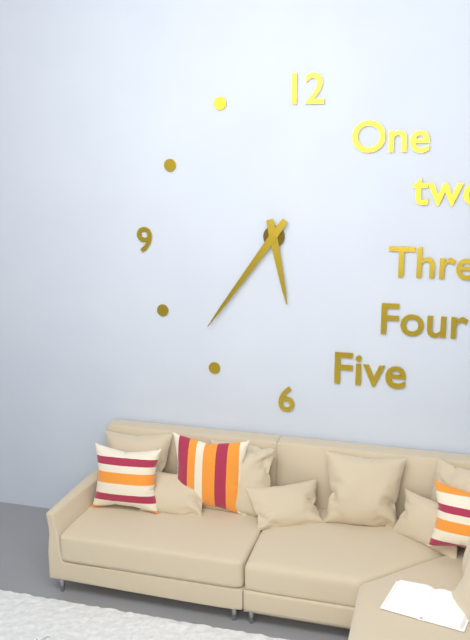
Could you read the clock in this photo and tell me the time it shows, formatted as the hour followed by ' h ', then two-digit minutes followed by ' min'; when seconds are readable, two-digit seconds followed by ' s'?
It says 5 h 36 min
